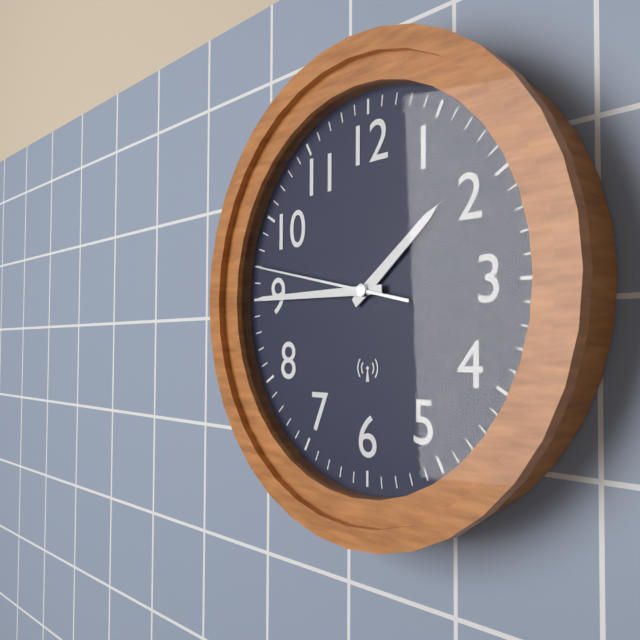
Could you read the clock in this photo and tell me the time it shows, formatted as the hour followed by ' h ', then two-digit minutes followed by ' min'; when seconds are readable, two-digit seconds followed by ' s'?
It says 1 h 45 min 47 s
